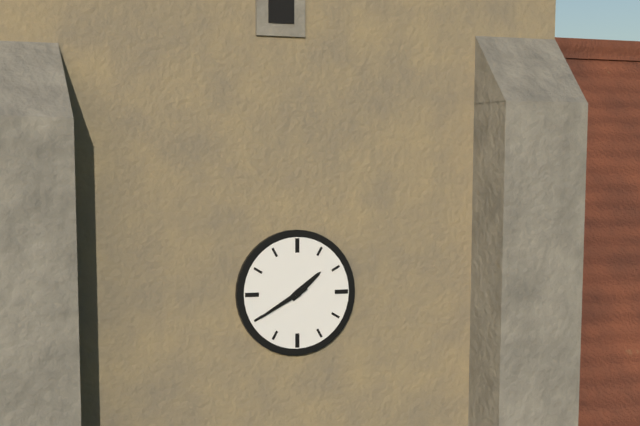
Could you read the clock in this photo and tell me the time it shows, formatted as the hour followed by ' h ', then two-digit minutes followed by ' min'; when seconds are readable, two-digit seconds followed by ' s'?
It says 1 h 40 min
